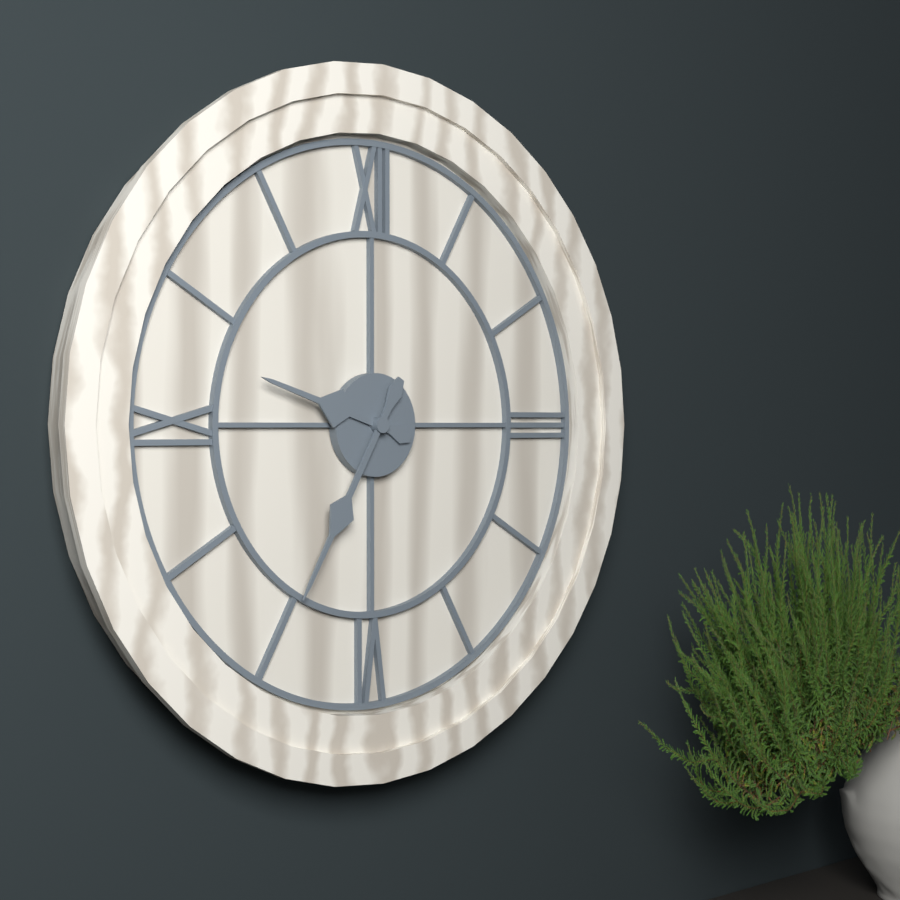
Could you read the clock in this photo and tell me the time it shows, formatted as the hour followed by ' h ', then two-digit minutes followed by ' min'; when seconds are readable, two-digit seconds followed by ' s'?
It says 9 h 35 min
